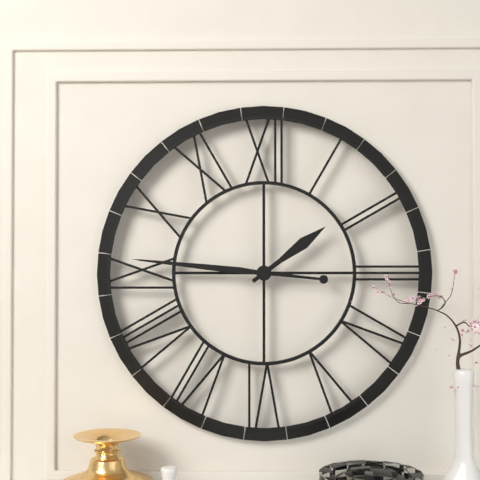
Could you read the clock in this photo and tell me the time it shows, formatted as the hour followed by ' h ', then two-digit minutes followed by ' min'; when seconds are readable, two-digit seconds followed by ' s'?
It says 1 h 46 min
